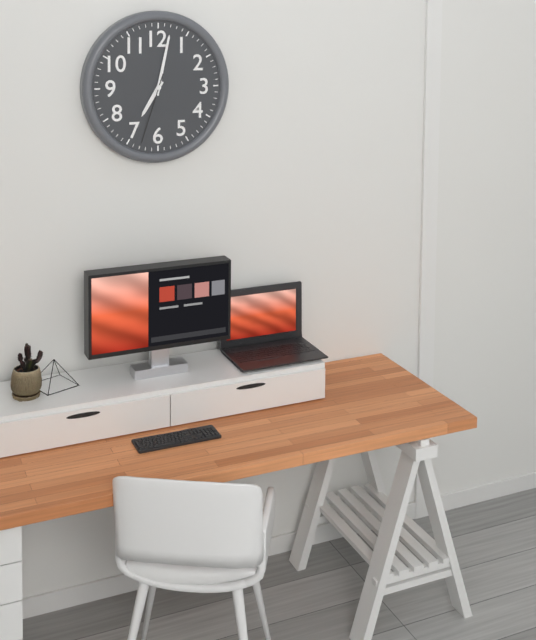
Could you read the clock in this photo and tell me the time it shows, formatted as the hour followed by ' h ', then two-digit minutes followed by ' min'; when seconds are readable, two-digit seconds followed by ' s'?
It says 7 h 02 min 33 s
